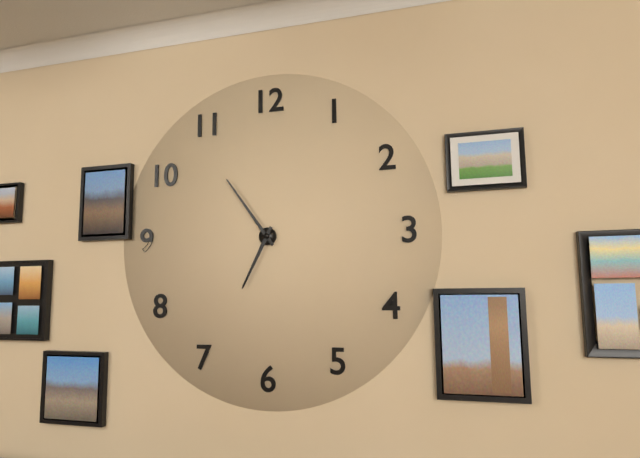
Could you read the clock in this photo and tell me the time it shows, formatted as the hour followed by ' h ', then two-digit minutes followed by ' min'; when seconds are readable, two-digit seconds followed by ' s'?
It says 6 h 54 min
